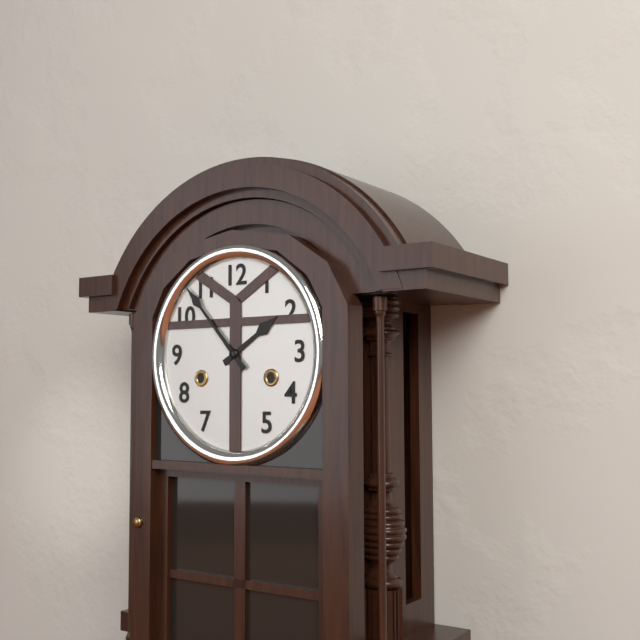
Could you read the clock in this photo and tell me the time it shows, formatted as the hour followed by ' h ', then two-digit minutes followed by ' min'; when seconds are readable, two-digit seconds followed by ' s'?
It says 1 h 53 min
